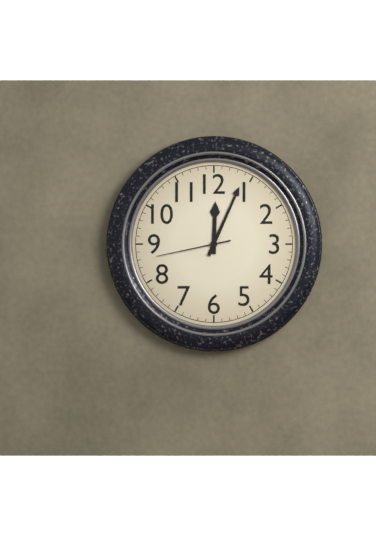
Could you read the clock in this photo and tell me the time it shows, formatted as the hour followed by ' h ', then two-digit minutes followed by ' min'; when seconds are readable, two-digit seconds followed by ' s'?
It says 12 h 04 min 43 s
